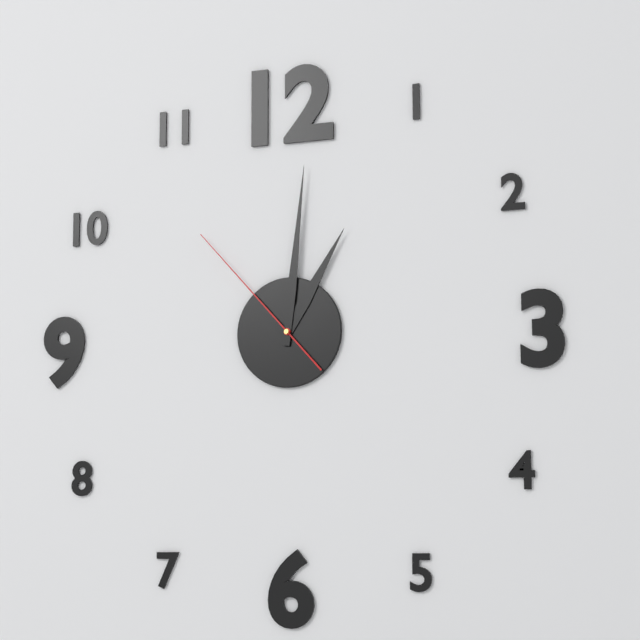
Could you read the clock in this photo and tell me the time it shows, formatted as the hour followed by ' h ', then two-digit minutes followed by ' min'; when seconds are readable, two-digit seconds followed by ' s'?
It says 1 h 01 min 53 s
